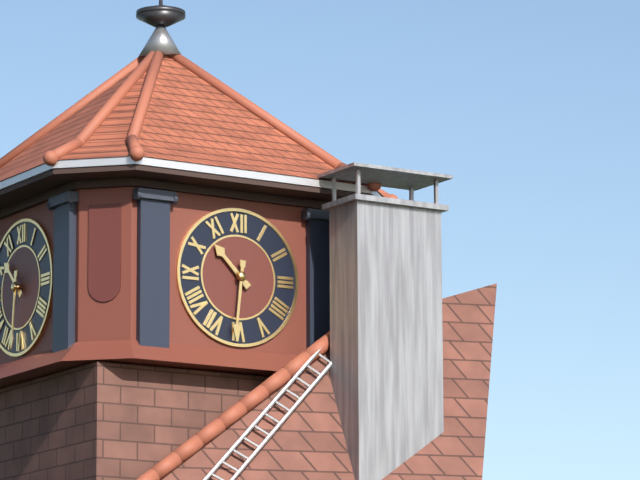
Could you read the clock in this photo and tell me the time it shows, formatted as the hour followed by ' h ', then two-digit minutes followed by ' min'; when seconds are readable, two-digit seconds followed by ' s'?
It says 10 h 31 min
